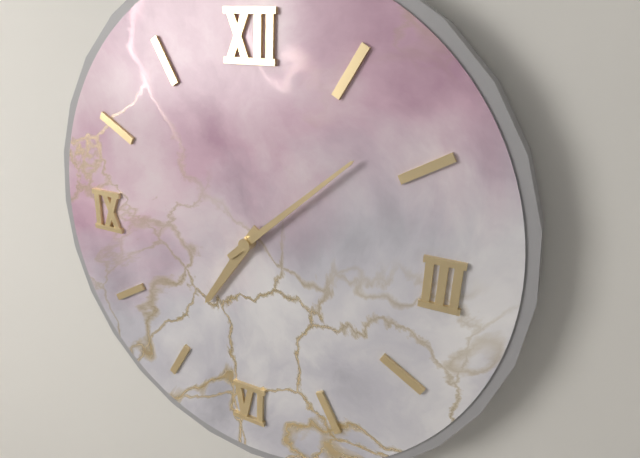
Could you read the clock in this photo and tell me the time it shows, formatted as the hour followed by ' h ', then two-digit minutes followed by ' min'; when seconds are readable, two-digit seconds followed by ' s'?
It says 7 h 08 min
